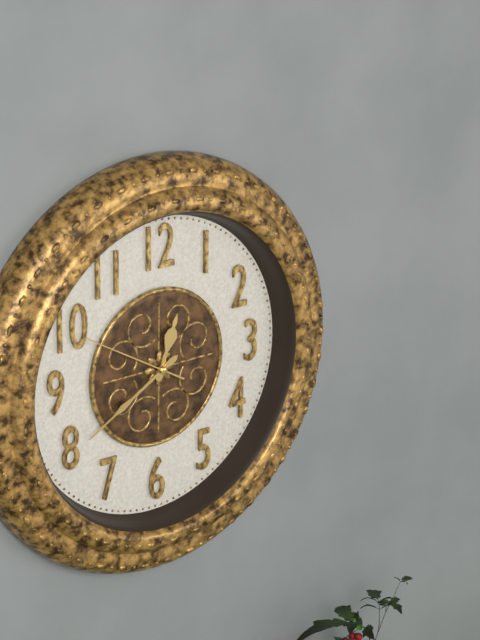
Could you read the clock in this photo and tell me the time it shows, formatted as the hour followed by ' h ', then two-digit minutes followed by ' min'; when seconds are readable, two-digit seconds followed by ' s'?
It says 12 h 40 min 50 s
